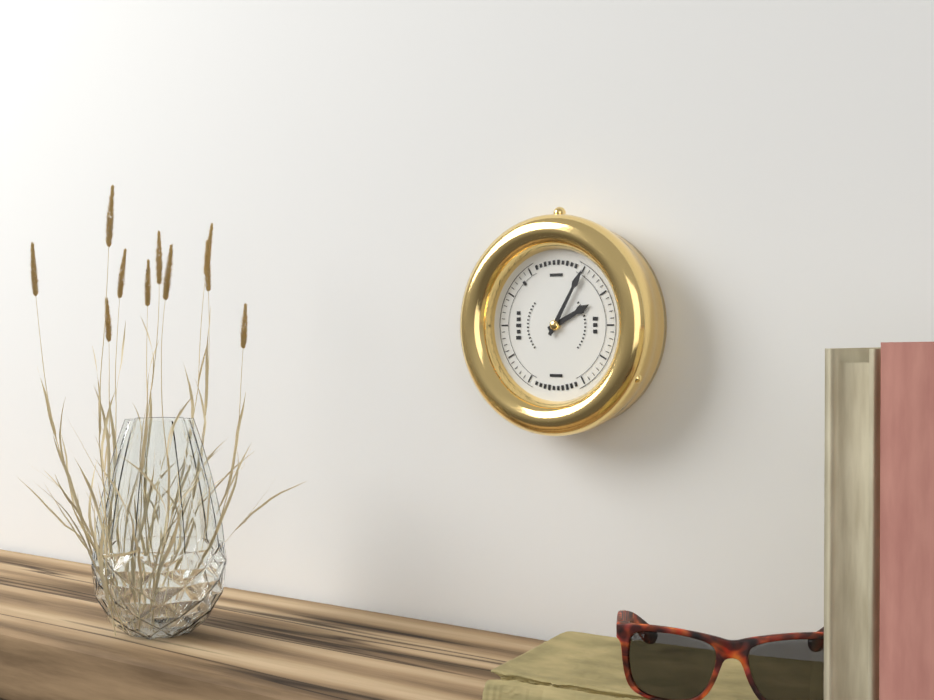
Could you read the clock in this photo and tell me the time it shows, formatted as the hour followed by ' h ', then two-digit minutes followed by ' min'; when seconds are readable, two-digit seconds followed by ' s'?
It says 2 h 05 min
